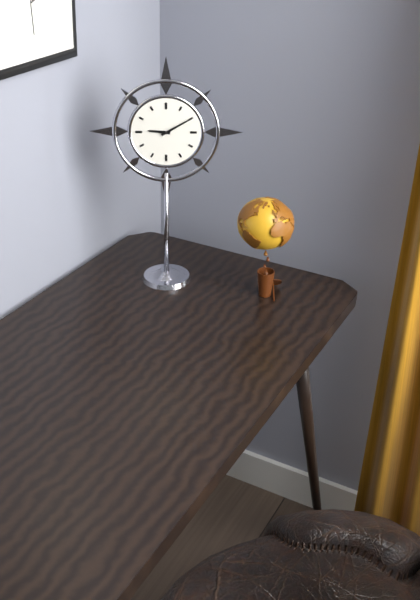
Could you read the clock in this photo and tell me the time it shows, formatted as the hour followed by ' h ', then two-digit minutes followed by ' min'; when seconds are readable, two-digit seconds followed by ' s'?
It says 9 h 10 min
